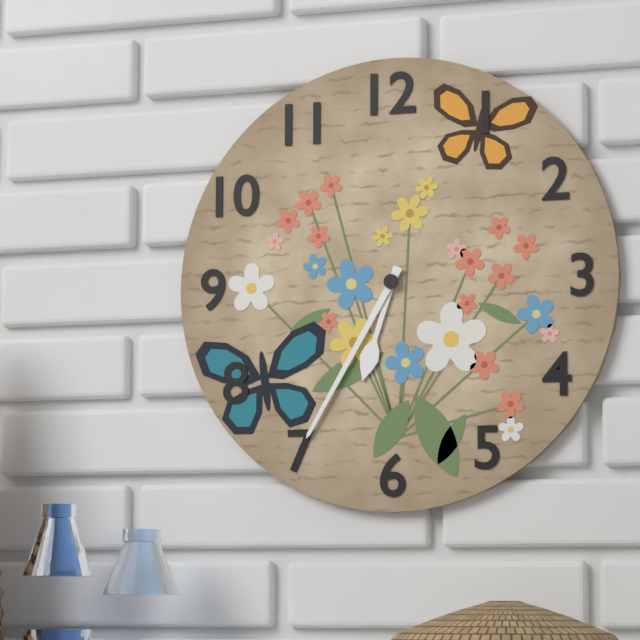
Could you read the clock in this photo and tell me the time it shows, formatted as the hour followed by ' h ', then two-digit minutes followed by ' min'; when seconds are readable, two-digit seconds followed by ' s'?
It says 6 h 35 min
